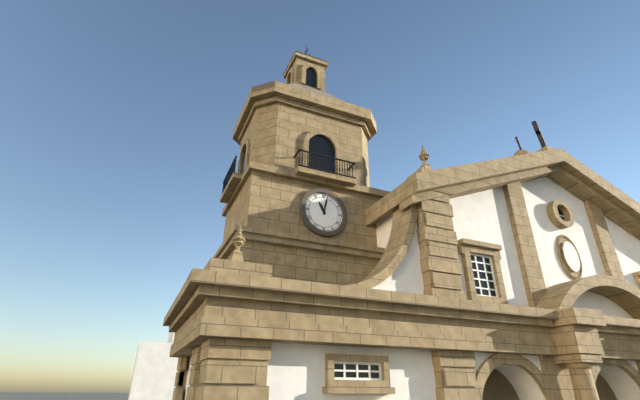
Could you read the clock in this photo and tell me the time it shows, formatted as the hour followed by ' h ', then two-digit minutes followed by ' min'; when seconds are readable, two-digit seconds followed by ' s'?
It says 11 h 02 min
